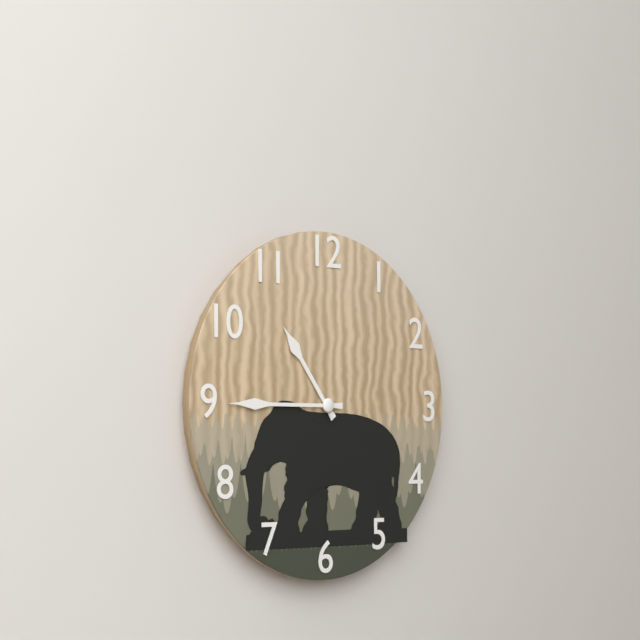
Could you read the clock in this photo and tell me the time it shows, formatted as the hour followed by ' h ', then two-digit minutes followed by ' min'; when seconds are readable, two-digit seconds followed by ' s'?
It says 10 h 45 min
